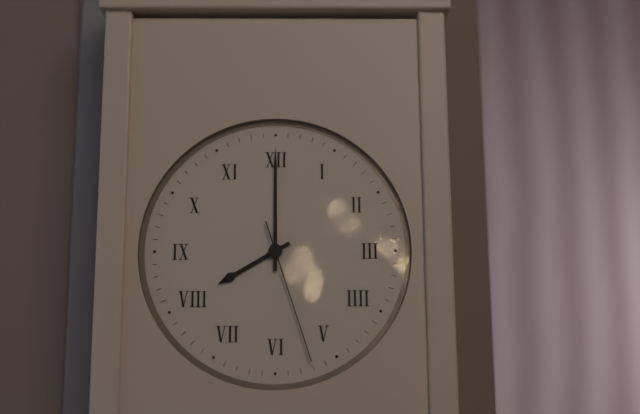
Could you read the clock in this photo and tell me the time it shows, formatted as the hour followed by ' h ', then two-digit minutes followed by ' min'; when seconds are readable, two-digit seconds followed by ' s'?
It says 8 h 00 min 27 s
